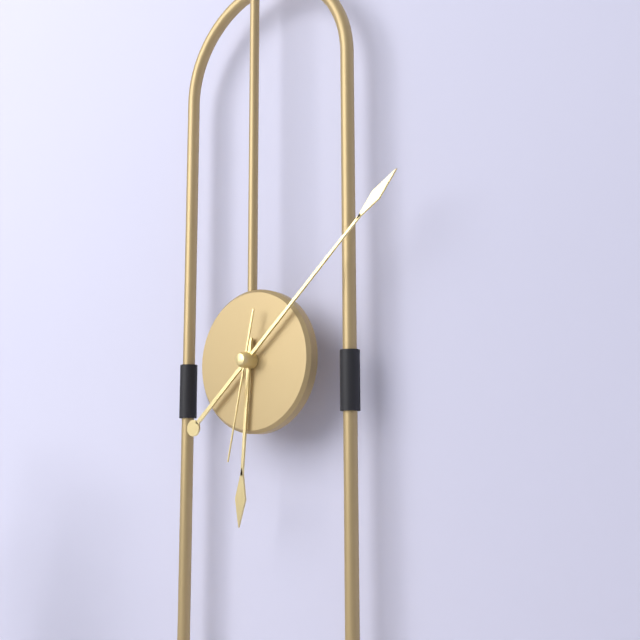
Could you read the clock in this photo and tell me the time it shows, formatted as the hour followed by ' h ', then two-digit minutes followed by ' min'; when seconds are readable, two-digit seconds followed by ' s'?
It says 6 h 08 min 32 s
